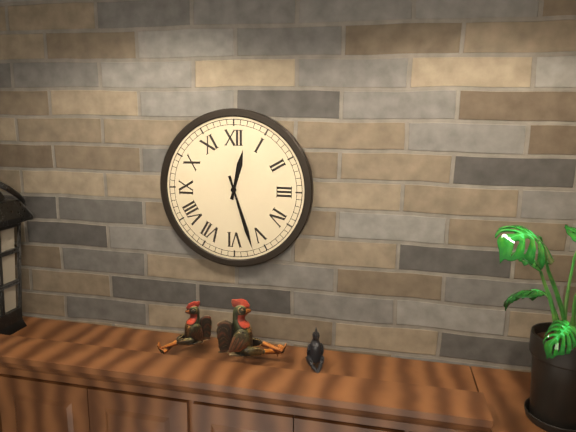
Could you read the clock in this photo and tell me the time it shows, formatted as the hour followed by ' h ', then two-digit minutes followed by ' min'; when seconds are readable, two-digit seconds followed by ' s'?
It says 12 h 27 min
